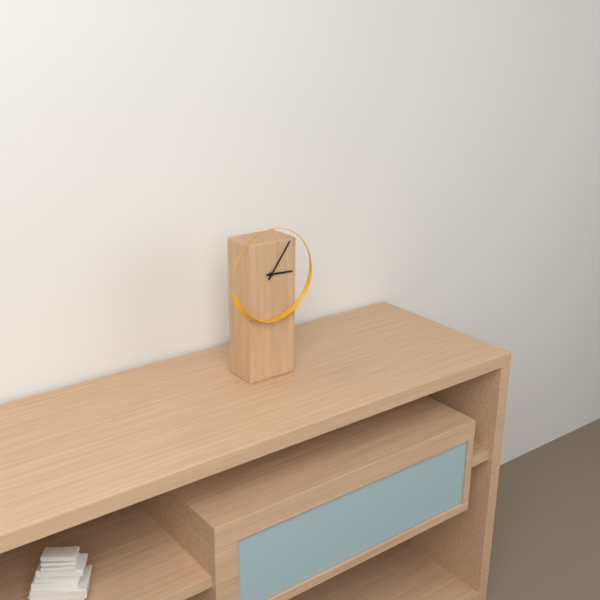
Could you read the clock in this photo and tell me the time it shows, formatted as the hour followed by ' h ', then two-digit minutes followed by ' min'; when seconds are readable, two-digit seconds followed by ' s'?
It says 3 h 06 min
